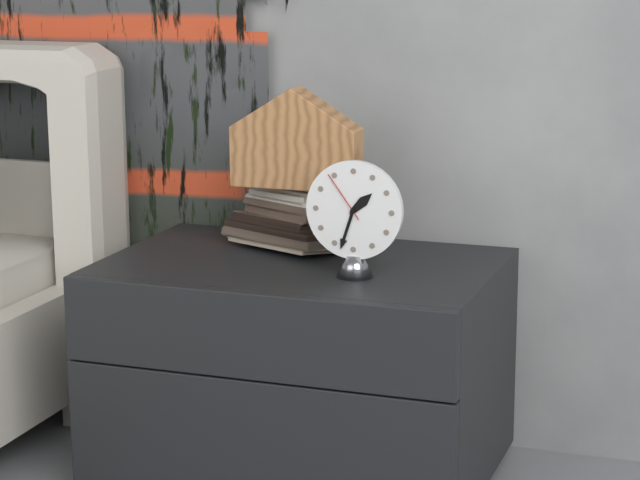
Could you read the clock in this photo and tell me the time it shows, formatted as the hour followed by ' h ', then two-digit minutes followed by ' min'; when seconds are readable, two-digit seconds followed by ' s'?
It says 1 h 33 min 54 s
